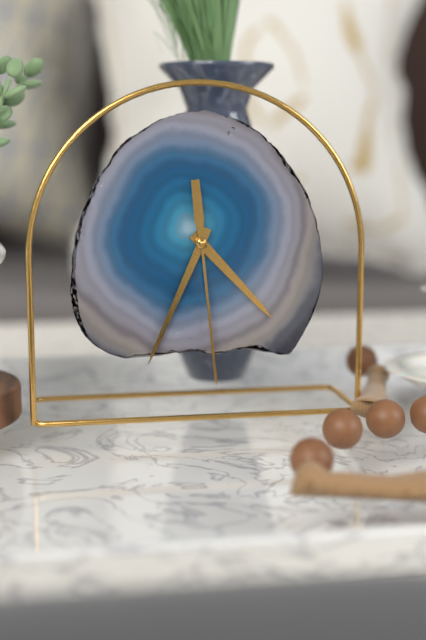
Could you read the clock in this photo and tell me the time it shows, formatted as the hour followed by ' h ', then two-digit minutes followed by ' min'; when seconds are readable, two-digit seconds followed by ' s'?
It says 4 h 34 min 29 s
